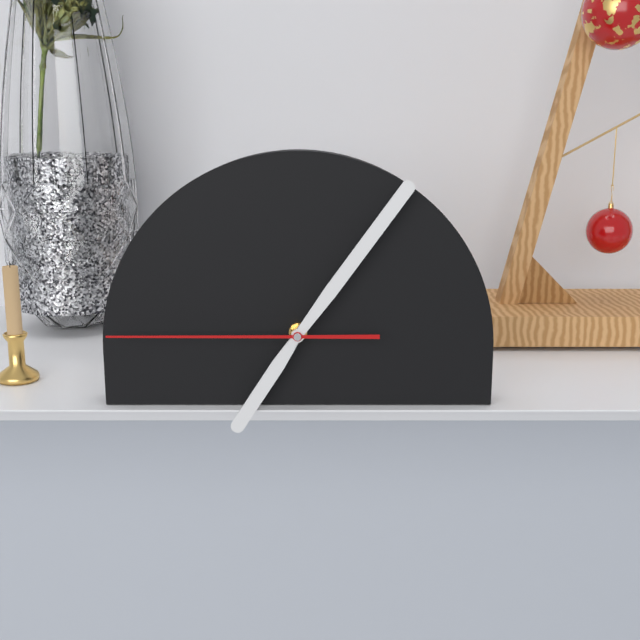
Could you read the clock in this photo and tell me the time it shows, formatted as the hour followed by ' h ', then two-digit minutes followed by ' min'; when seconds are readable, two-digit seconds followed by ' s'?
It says 7 h 06 min 45 s
